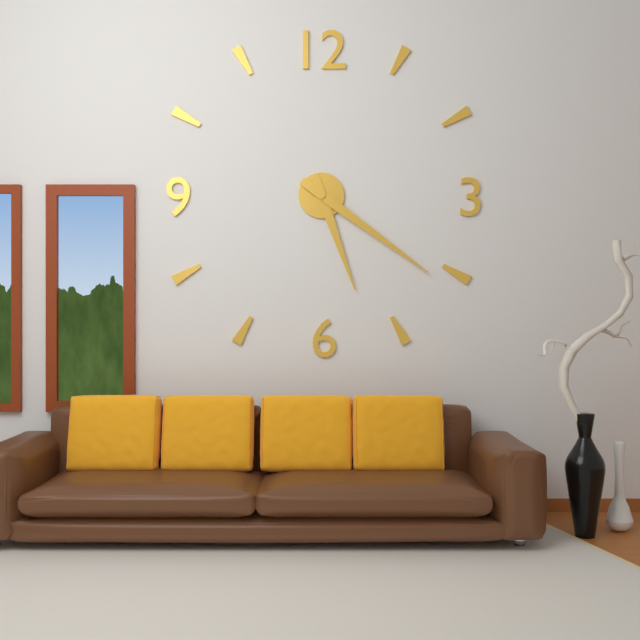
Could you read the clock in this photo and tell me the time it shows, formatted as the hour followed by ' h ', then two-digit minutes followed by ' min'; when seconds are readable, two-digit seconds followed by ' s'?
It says 5 h 21 min
